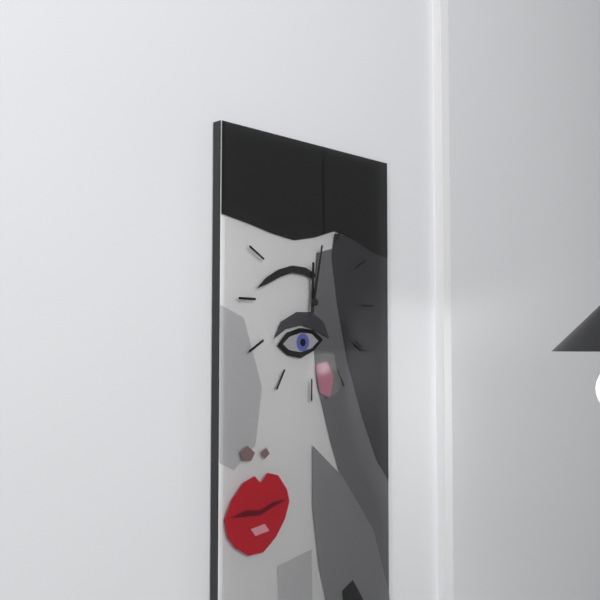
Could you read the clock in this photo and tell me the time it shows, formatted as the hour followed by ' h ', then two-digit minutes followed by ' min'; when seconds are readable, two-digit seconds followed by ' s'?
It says 12 h 02 min
